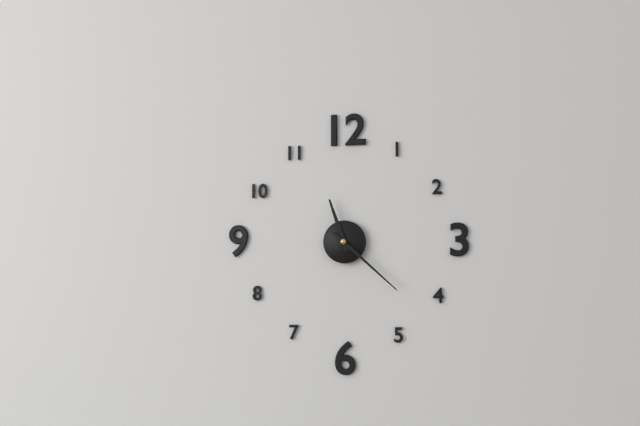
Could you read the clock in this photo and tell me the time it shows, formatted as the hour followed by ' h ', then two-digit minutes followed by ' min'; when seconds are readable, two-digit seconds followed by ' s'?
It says 11 h 22 min
